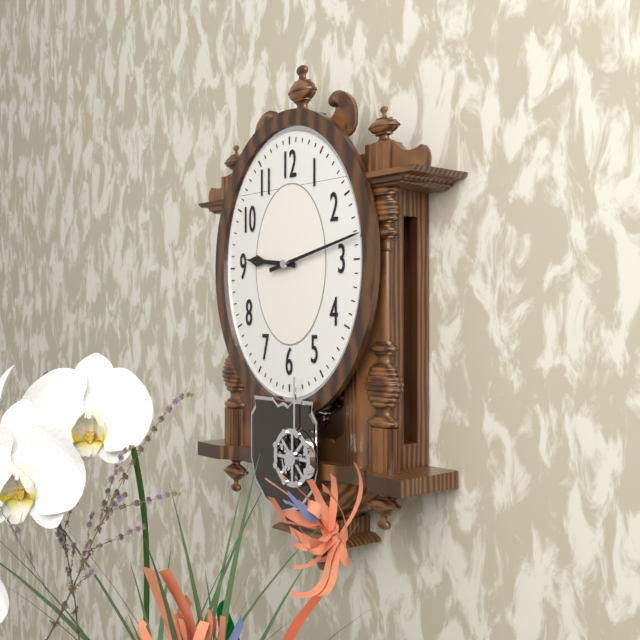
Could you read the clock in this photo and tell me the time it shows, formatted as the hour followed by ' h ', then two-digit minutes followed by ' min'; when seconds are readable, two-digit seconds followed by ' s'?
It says 9 h 13 min
